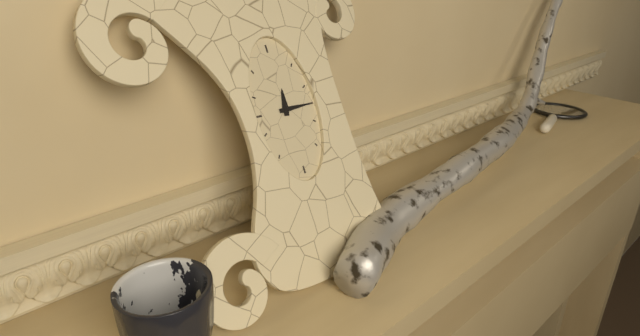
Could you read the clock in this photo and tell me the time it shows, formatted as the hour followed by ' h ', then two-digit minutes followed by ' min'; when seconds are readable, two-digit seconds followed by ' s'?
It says 12 h 15 min
